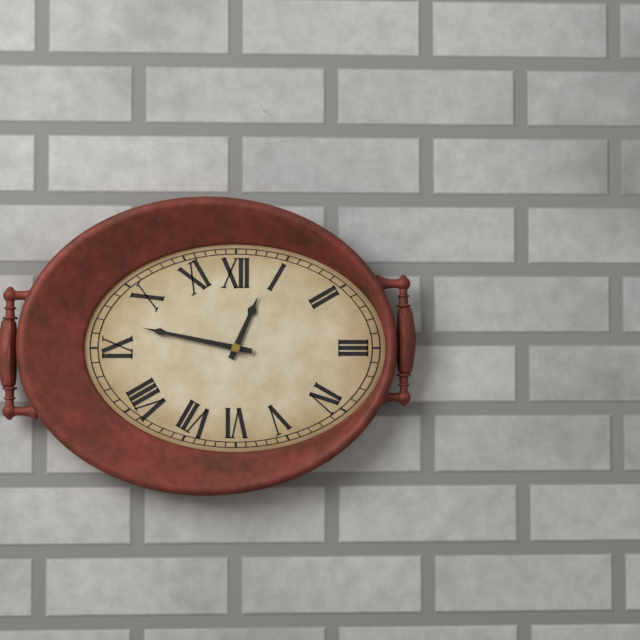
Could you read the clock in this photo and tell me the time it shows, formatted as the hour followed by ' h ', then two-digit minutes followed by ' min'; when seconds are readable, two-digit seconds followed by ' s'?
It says 12 h 47 min
